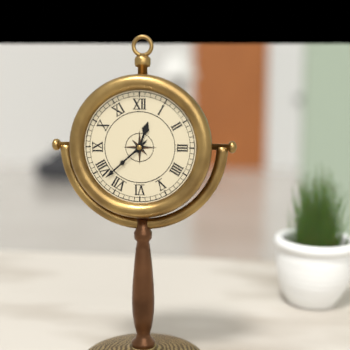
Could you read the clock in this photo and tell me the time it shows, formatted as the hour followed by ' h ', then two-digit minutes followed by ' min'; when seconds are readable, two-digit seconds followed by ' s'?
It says 12 h 38 min
